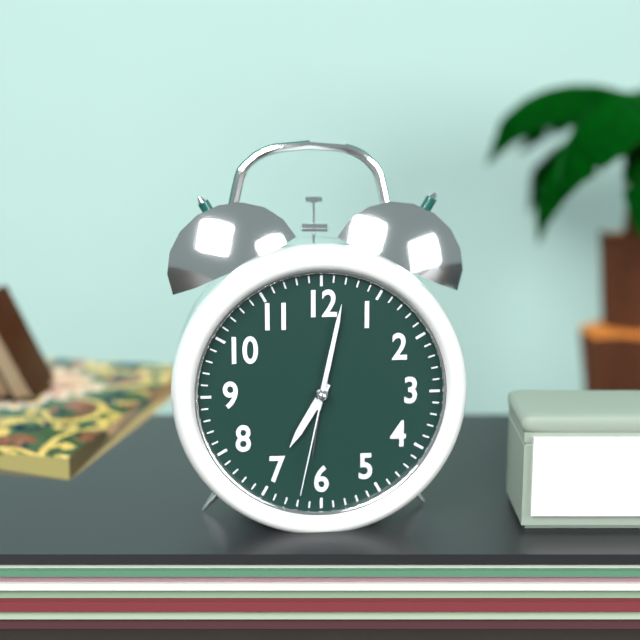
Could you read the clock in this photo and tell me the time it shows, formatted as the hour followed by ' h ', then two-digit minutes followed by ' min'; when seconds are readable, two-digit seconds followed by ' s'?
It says 7 h 02 min 32 s
